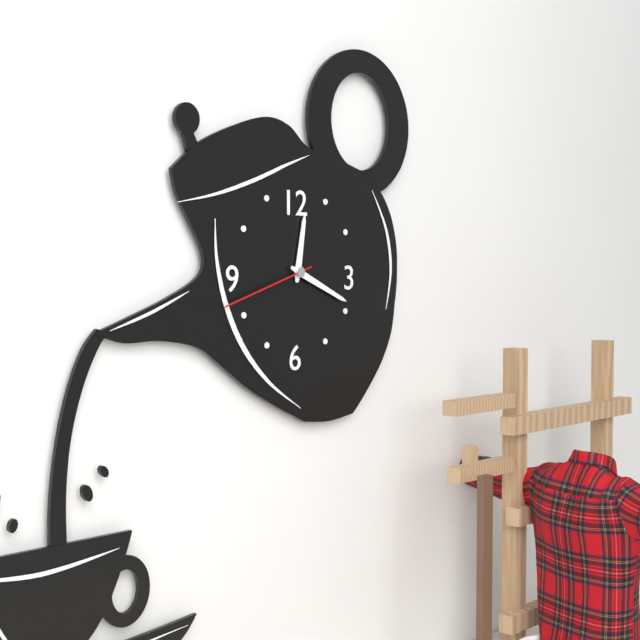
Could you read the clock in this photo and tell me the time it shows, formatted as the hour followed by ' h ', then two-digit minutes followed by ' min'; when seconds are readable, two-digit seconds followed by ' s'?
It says 12 h 19 min 42 s
